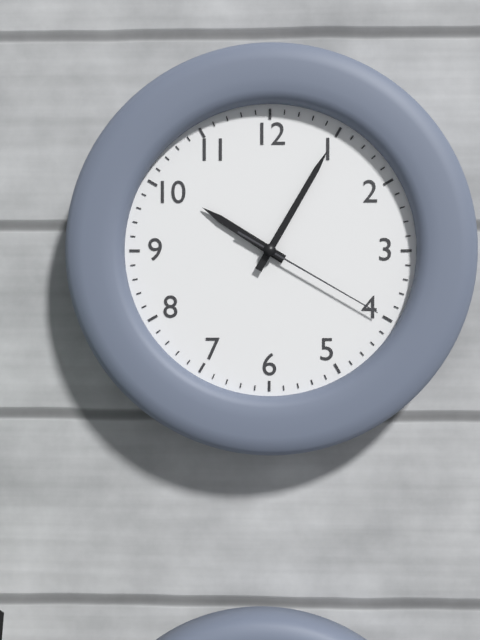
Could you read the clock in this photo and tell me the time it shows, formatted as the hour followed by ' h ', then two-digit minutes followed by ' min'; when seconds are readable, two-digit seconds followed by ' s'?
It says 10 h 05 min 20 s
